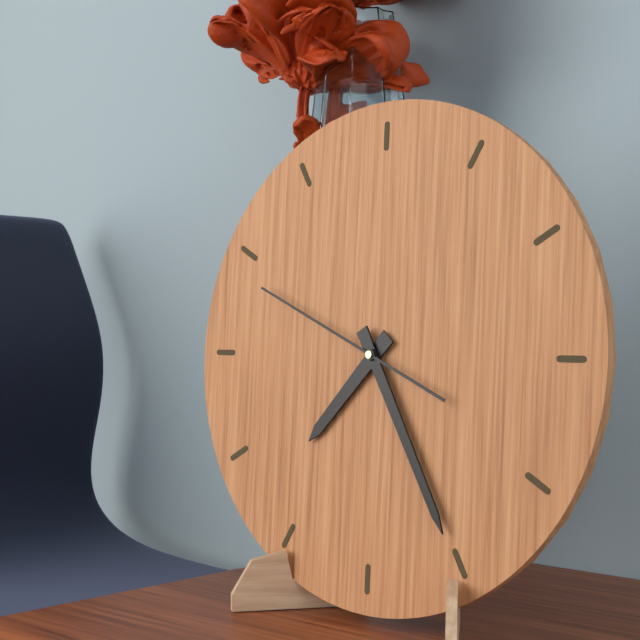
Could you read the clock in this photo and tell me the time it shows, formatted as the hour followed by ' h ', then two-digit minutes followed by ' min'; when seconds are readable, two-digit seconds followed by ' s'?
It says 7 h 25 min 49 s
